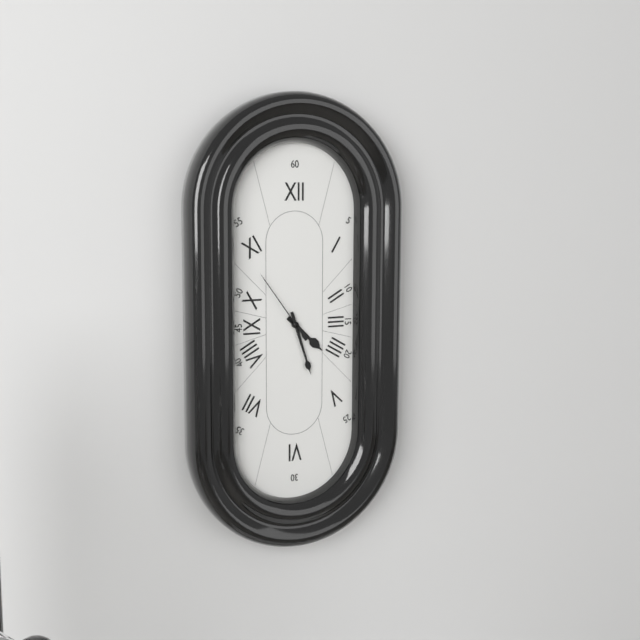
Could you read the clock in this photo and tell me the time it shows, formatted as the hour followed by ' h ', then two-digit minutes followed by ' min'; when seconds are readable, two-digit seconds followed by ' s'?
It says 4 h 27 min 54 s
